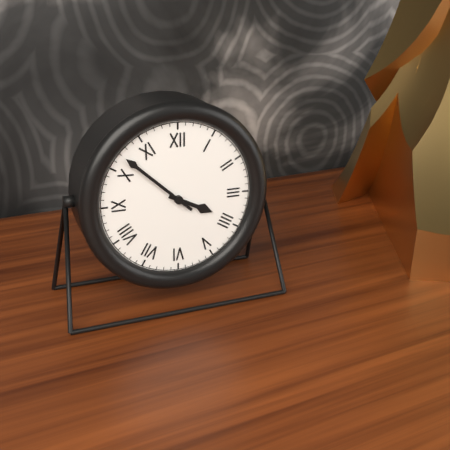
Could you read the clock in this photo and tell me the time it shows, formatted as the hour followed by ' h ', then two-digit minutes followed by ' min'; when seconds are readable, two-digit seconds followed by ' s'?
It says 3 h 52 min
